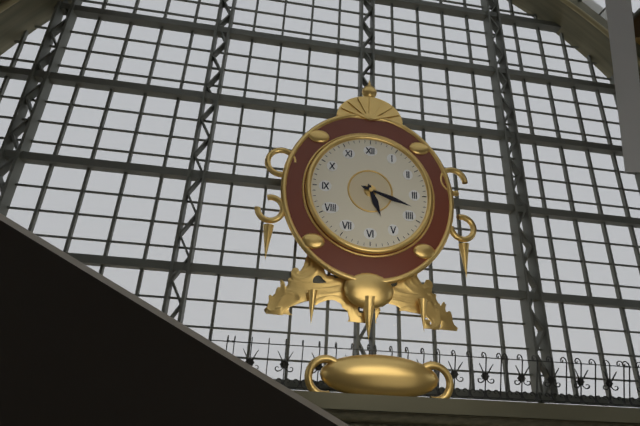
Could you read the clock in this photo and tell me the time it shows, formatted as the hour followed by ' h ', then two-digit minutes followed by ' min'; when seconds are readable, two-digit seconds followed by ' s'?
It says 5 h 18 min
